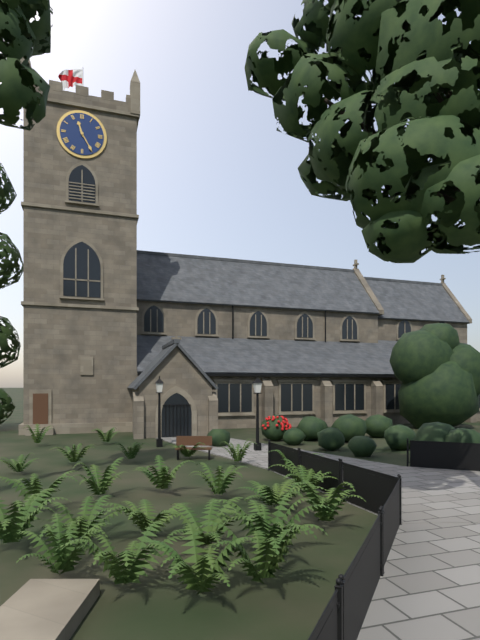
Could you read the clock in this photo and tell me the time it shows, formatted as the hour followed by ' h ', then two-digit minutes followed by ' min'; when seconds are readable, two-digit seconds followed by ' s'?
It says 11 h 25 min
